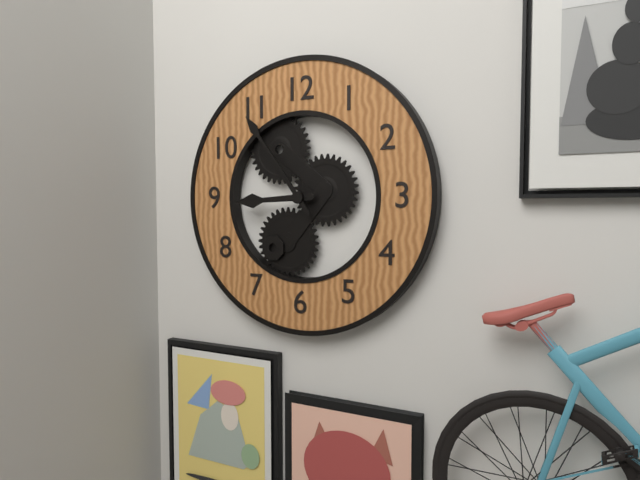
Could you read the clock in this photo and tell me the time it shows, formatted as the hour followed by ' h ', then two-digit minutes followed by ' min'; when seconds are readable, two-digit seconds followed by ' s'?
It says 8 h 54 min
